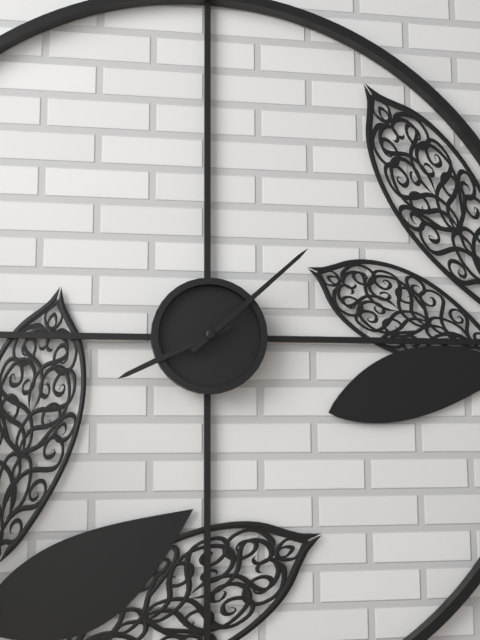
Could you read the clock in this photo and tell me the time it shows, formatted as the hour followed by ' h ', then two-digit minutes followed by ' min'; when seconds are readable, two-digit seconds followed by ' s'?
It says 8 h 08 min
